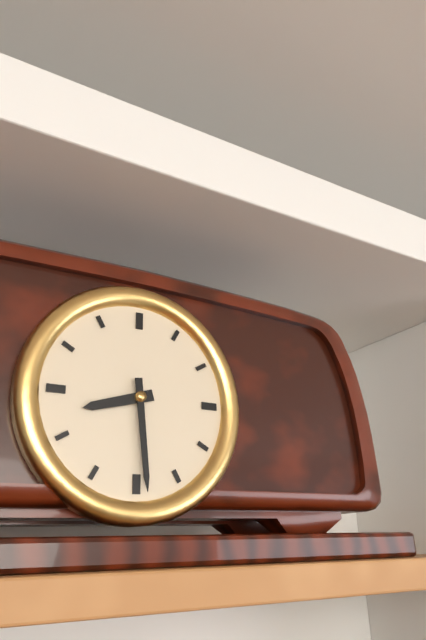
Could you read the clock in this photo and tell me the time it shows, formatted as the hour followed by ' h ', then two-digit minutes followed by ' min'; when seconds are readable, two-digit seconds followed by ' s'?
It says 8 h 29 min
